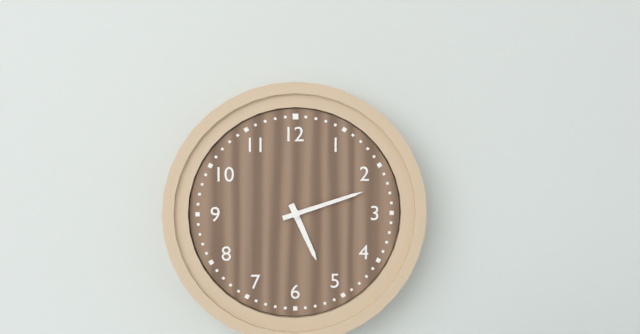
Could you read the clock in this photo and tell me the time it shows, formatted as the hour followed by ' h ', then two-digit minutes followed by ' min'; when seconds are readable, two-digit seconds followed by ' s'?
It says 5 h 12 min
